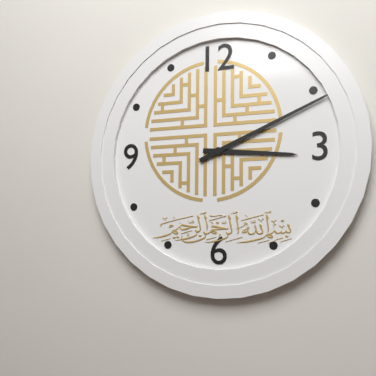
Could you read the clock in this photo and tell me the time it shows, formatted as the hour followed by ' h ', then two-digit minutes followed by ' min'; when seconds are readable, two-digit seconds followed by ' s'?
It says 3 h 11 min
